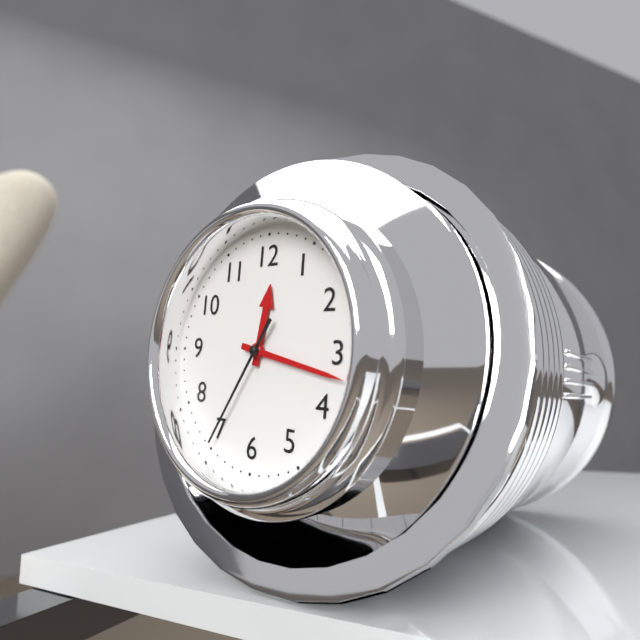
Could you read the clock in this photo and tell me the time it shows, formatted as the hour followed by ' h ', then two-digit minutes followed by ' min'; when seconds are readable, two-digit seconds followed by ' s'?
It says 12 h 17 min 35 s
